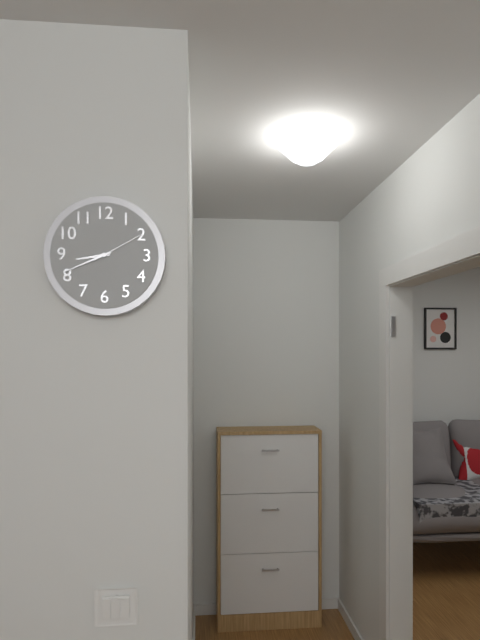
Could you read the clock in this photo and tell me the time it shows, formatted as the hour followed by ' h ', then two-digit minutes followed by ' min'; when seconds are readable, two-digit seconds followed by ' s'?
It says 8 h 41 min 10 s
